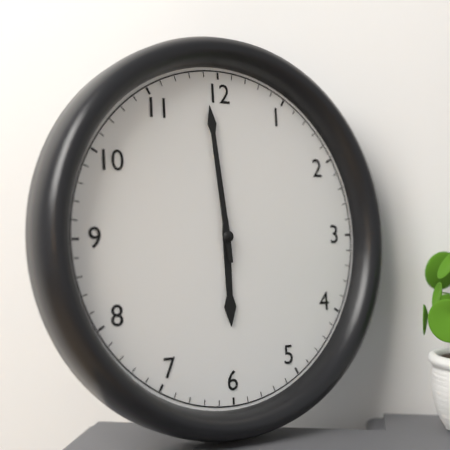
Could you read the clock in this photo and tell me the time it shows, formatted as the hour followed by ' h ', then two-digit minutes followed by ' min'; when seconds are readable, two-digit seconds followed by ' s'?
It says 5 h 59 min
